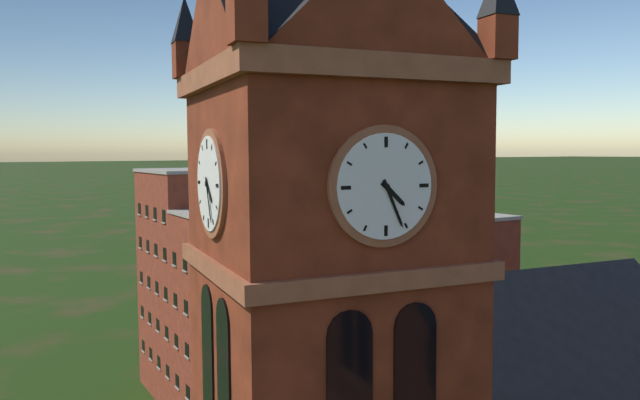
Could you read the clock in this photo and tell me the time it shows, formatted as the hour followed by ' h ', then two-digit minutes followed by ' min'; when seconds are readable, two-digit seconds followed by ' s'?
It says 4 h 26 min
